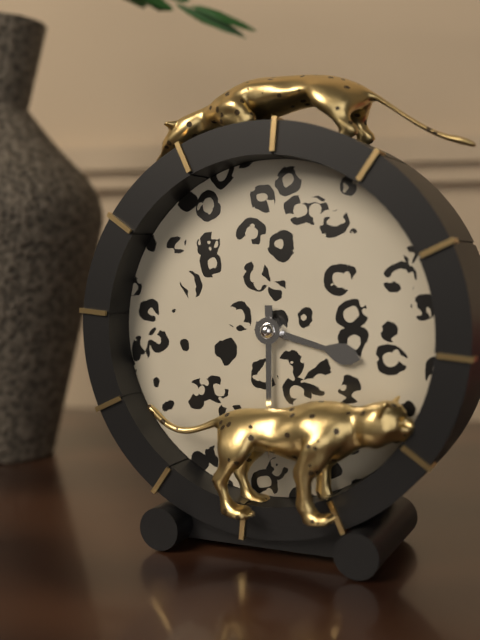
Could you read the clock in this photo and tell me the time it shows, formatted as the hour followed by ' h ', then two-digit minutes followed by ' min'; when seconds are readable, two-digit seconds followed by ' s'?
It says 3 h 30 min
